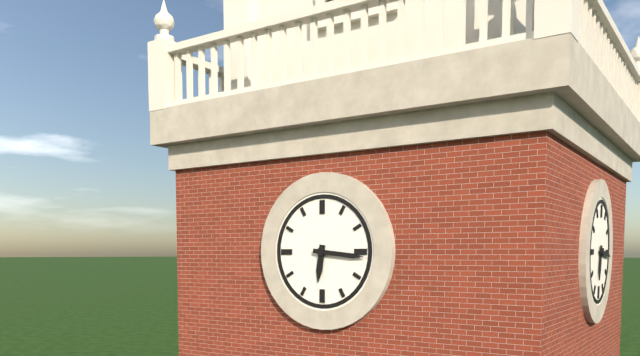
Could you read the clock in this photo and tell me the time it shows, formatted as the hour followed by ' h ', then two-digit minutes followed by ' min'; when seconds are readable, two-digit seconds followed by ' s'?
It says 6 h 16 min
